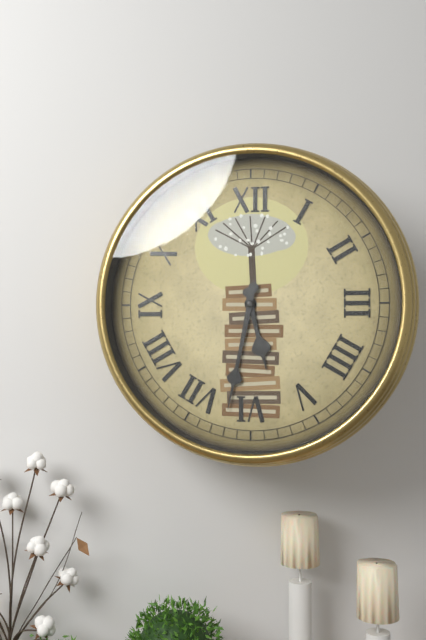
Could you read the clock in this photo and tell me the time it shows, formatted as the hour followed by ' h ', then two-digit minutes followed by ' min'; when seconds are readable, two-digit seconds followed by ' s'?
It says 5 h 32 min
